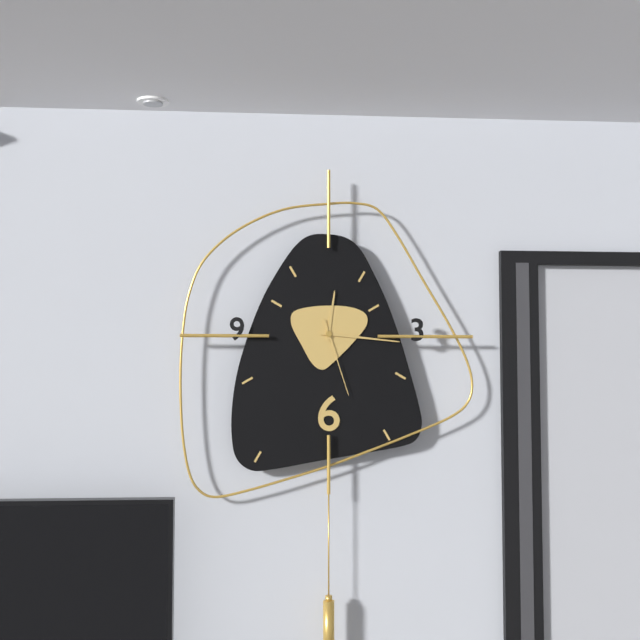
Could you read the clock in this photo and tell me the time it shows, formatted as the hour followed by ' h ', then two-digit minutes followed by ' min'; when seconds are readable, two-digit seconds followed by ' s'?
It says 12 h 16 min 27 s
